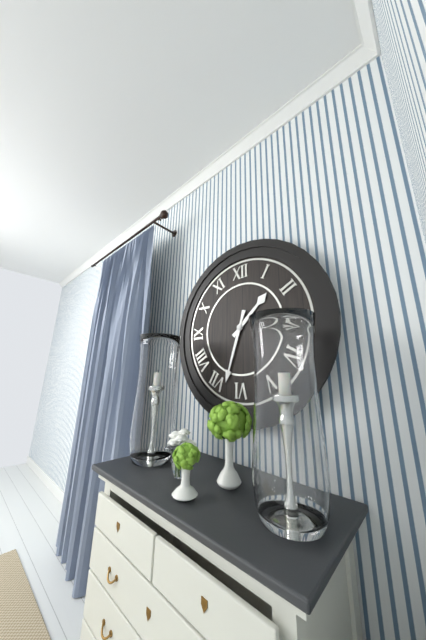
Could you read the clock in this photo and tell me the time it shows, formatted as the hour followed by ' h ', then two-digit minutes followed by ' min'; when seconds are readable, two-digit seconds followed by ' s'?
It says 1 h 33 min
